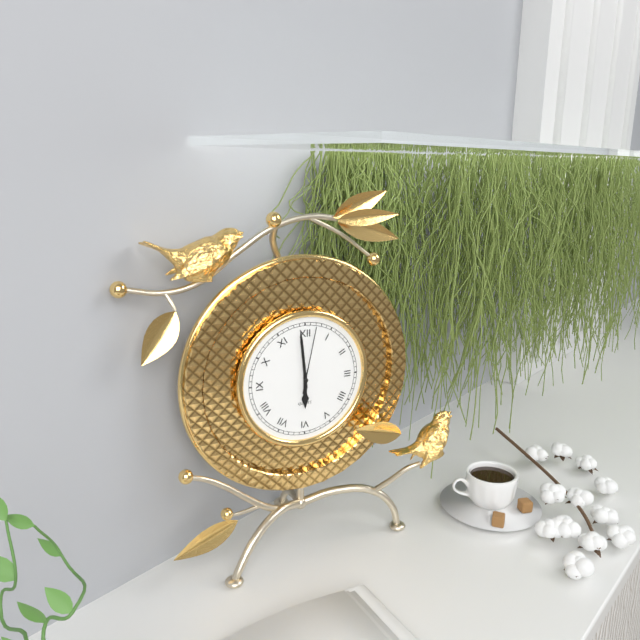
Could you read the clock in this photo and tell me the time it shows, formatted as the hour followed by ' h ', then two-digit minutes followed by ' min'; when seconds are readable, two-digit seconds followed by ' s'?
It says 5 h 59 min 02 s
